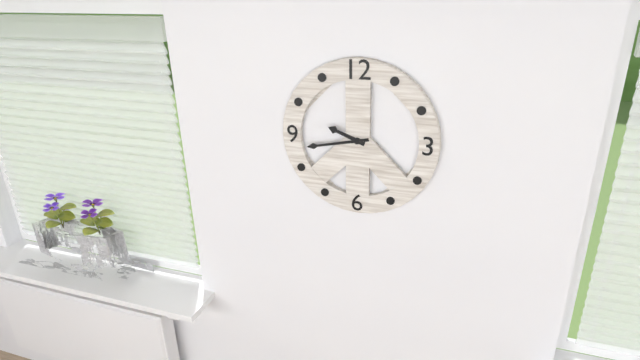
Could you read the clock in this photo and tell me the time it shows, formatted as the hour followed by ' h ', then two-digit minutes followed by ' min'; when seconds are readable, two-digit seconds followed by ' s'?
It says 9 h 43 min
